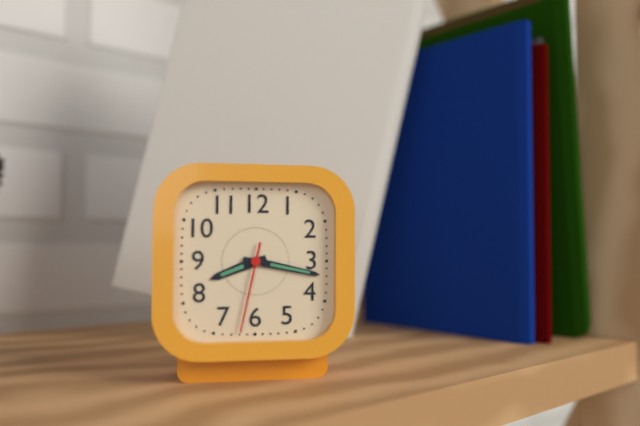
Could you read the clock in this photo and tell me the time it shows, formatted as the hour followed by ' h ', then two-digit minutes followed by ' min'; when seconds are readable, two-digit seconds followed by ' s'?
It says 8 h 17 min 32 s
